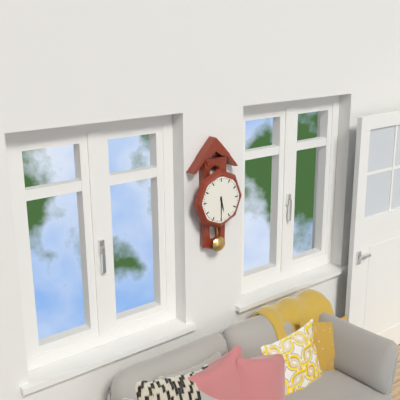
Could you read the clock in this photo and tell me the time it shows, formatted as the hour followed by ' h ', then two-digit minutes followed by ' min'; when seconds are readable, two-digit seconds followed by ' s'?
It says 5 h 30 min
